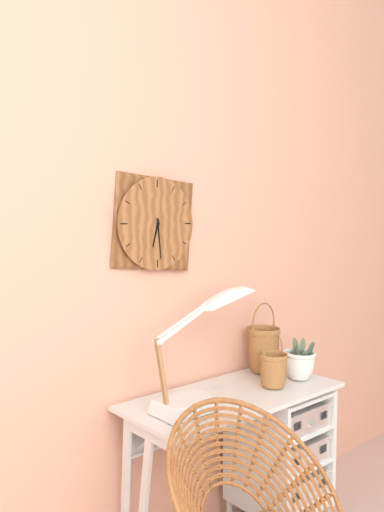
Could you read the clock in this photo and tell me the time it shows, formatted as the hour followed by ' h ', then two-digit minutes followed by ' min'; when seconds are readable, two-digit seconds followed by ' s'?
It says 6 h 29 min
